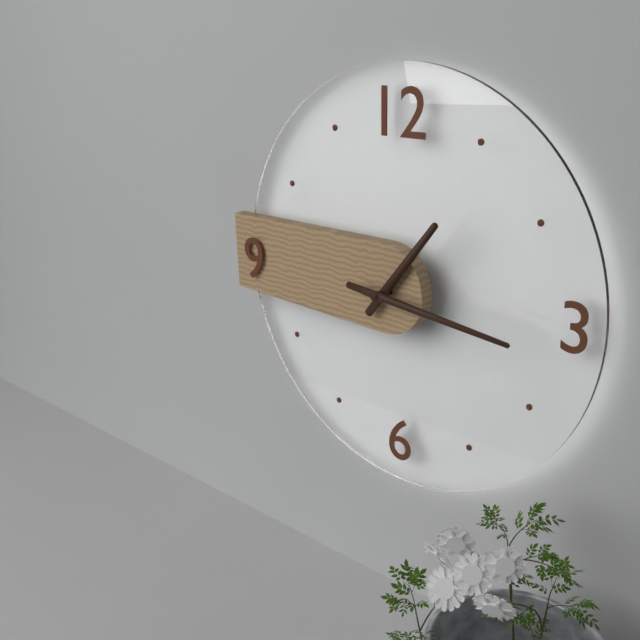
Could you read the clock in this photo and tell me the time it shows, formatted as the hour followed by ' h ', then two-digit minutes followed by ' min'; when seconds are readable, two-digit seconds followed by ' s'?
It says 1 h 16 min
